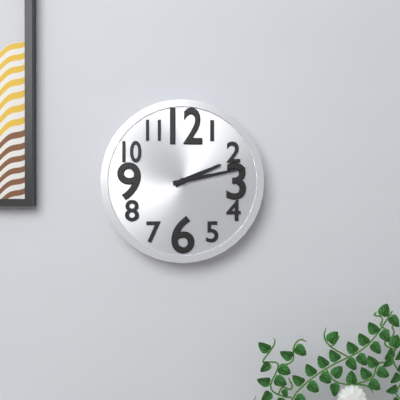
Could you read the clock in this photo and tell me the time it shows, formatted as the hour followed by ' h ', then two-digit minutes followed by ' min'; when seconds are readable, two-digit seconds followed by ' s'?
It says 2 h 13 min
